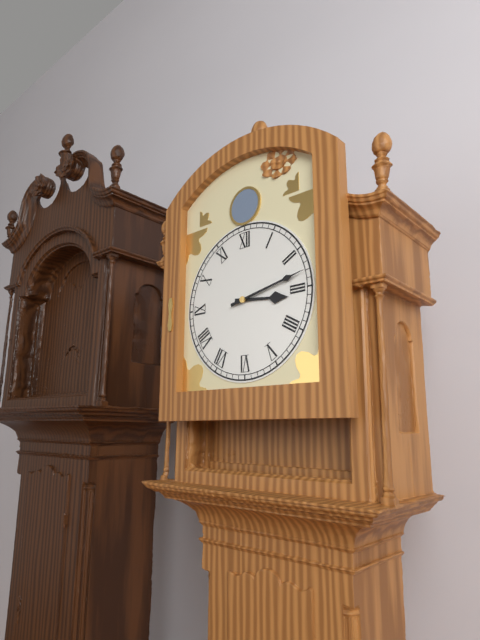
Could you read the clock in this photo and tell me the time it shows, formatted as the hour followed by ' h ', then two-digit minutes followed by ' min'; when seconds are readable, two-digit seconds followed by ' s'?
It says 3 h 13 min
